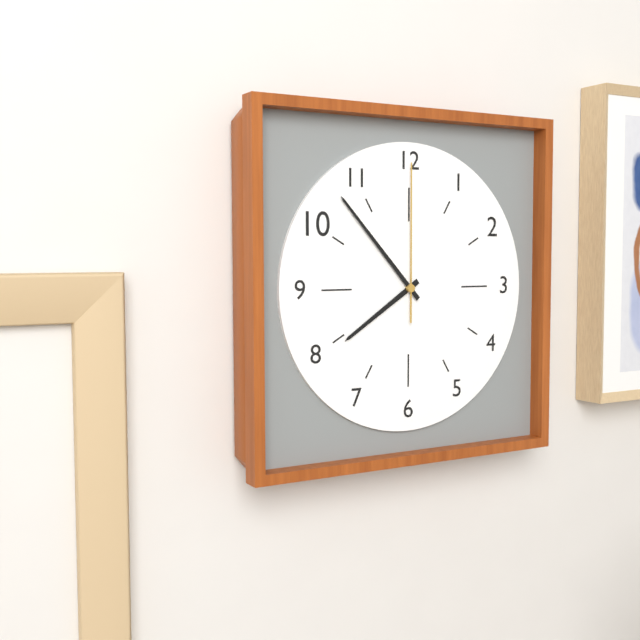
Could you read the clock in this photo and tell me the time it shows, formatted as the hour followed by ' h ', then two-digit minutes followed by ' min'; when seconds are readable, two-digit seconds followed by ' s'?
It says 7 h 53 min 00 s
